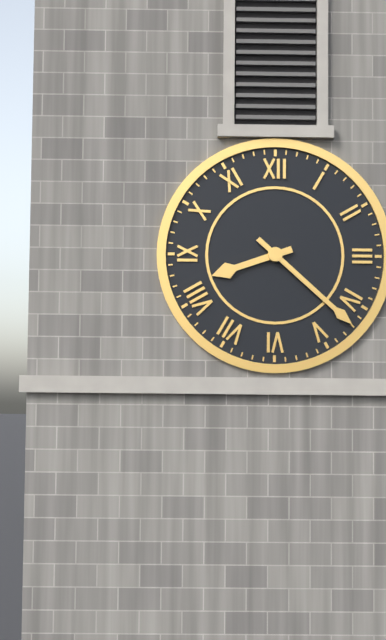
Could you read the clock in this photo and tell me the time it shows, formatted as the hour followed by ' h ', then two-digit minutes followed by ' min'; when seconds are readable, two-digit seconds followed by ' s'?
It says 8 h 22 min
